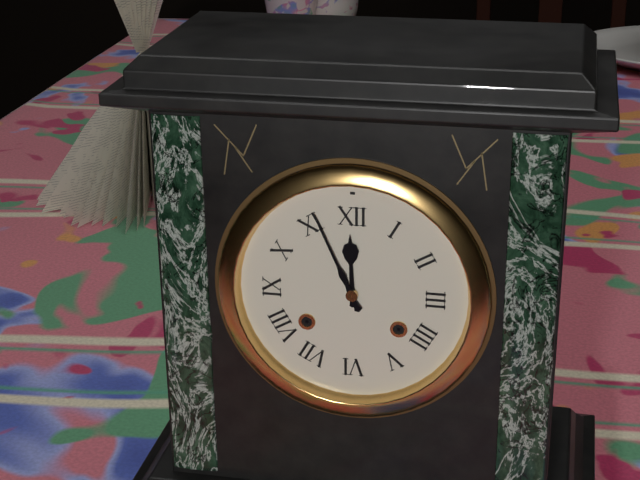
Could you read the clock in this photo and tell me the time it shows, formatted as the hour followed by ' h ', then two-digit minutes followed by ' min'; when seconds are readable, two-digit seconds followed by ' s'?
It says 11 h 56 min
